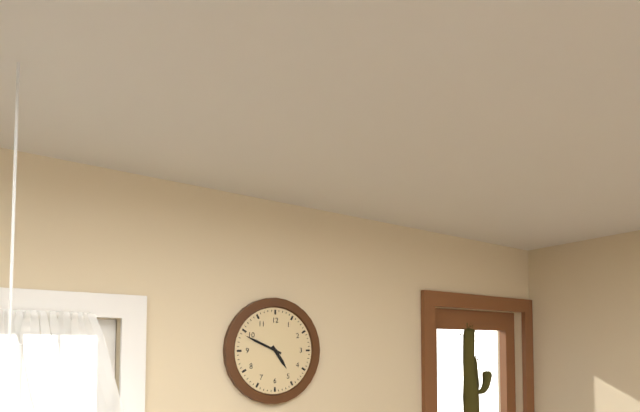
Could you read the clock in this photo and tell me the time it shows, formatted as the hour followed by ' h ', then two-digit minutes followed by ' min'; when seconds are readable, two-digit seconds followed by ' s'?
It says 4 h 49 min
